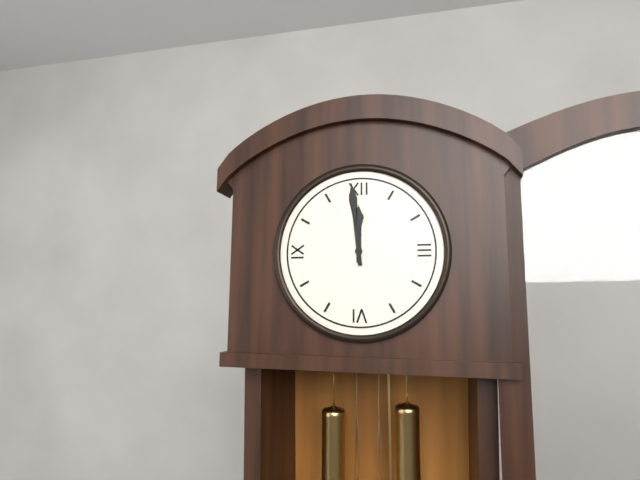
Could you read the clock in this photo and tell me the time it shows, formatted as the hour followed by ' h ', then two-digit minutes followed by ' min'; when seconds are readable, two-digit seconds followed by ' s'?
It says 11 h 59 min
